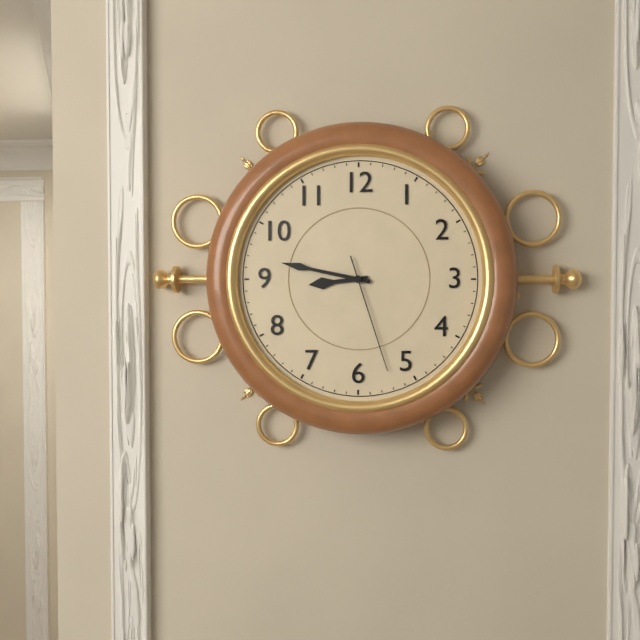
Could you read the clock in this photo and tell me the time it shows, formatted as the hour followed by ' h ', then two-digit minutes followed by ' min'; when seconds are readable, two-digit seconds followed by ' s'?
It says 8 h 47 min 27 s
